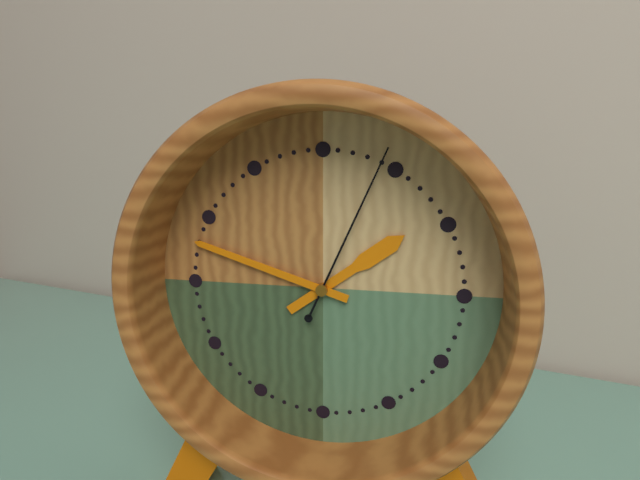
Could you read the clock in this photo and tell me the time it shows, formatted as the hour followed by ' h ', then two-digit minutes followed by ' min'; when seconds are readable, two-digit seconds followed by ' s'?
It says 1 h 48 min 04 s
